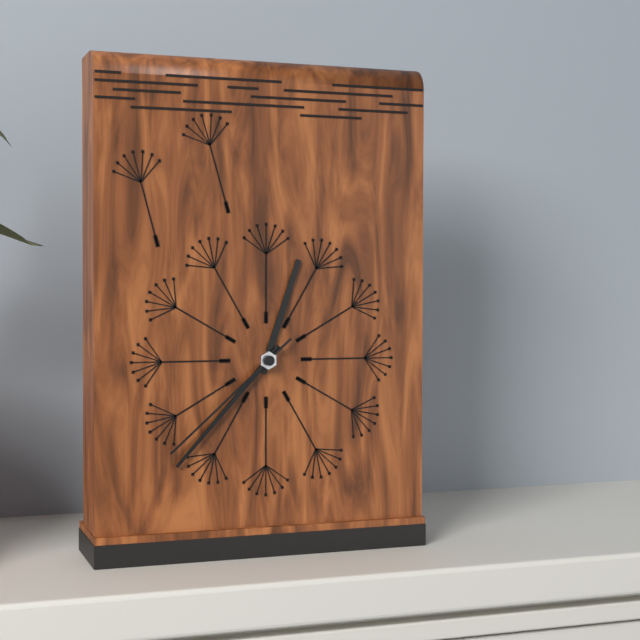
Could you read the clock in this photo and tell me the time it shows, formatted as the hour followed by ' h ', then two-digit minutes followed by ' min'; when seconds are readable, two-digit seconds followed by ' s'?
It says 12 h 37 min 38 s
